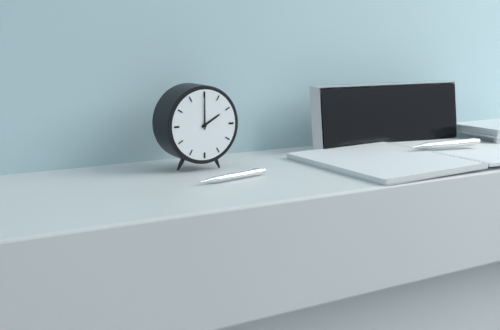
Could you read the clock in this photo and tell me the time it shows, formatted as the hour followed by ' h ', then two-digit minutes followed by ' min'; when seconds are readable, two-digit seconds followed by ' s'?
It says 2 h 00 min
